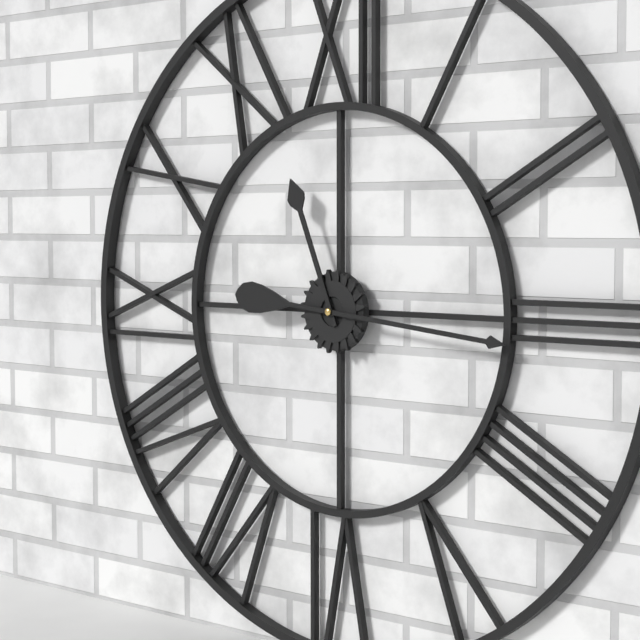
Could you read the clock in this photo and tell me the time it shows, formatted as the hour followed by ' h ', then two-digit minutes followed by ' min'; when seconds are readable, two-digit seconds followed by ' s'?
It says 11 h 16 min
